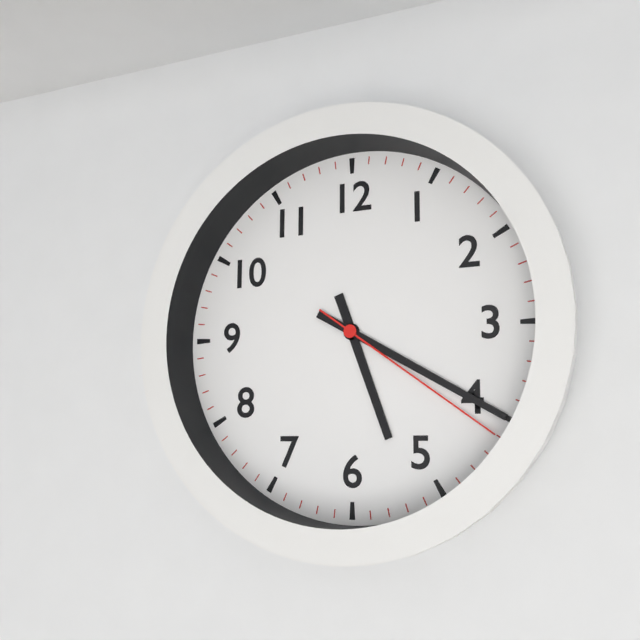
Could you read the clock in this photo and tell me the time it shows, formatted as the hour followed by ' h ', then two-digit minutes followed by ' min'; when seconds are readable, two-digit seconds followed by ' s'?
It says 5 h 20 min 21 s
